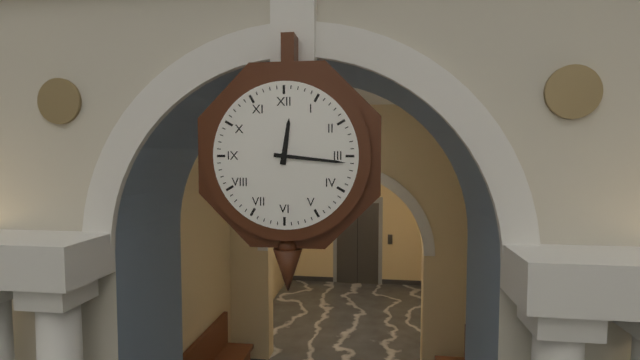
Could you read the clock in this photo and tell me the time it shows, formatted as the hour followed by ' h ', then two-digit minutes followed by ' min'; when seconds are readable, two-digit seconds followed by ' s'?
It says 12 h 16 min
